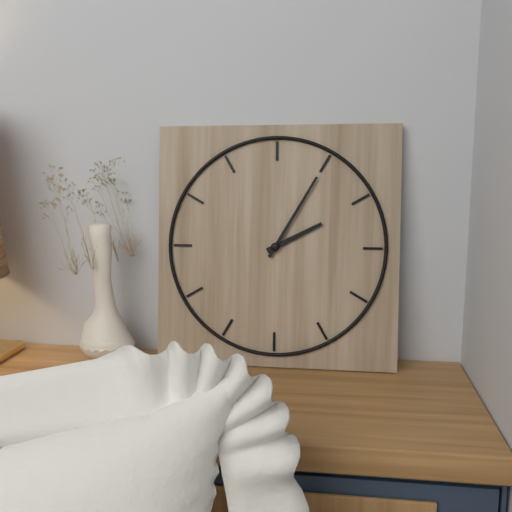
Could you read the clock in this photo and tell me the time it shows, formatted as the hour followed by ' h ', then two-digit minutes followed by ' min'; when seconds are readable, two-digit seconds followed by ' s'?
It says 2 h 05 min
